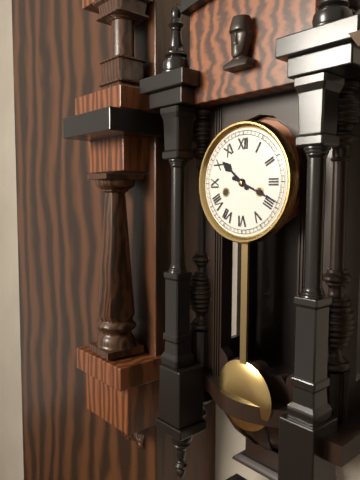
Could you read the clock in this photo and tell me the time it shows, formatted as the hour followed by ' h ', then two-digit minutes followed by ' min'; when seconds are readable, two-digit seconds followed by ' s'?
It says 10 h 19 min
